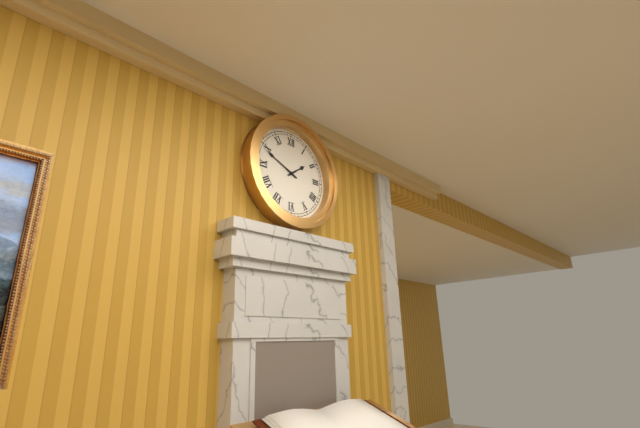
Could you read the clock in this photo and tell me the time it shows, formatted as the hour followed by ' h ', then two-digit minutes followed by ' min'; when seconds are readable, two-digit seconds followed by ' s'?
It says 1 h 49 min
